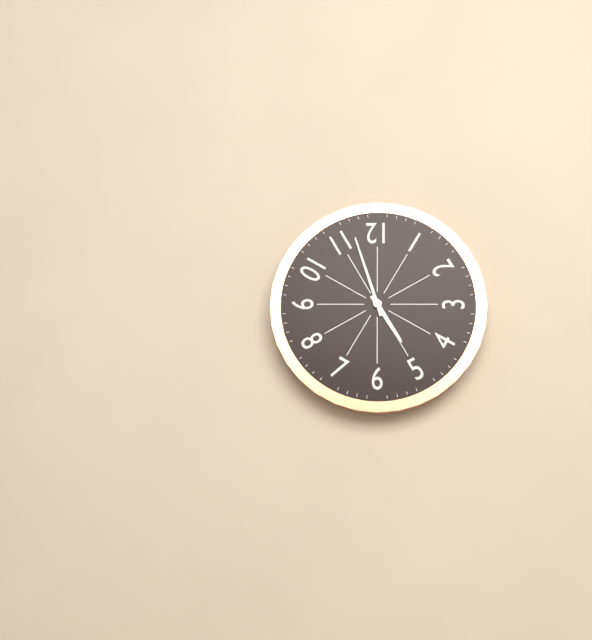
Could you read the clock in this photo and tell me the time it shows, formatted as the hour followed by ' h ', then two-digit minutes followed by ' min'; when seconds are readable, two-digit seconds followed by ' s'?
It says 4 h 57 min
